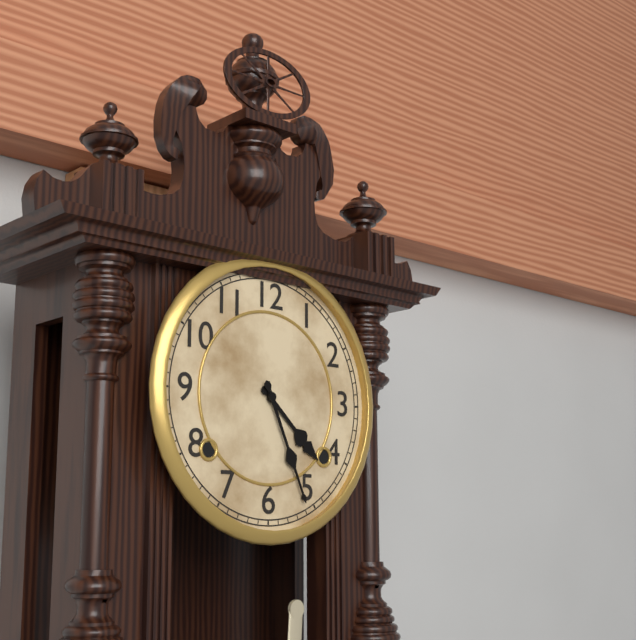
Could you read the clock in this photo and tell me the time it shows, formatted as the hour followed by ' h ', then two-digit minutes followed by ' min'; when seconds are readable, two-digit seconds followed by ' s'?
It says 4 h 26 min
